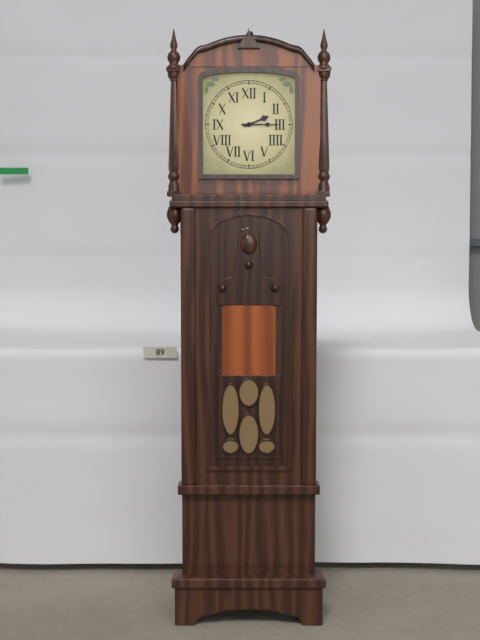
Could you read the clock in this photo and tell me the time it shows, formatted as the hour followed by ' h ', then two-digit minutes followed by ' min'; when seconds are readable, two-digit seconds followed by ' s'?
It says 2 h 15 min
